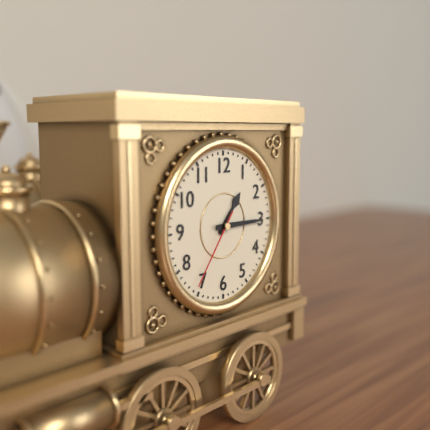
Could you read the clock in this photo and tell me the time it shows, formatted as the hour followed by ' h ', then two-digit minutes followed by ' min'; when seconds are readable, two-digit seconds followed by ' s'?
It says 1 h 15 min 36 s
